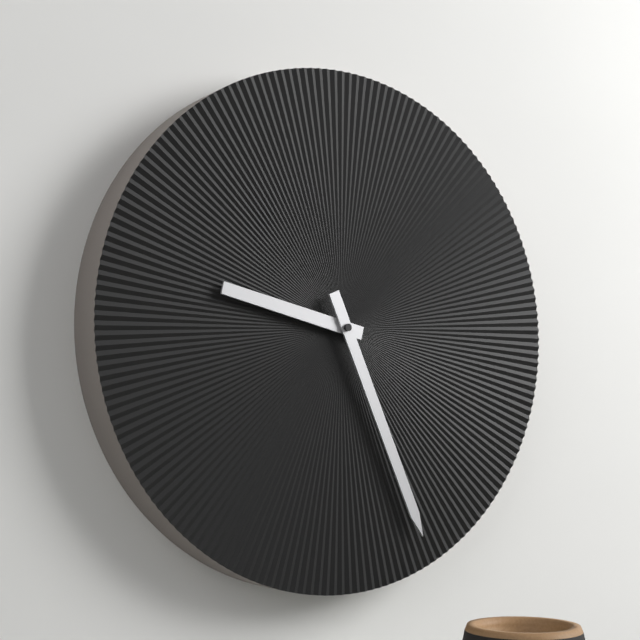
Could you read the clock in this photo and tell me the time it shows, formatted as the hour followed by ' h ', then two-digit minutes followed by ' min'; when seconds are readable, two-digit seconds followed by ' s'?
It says 9 h 26 min
